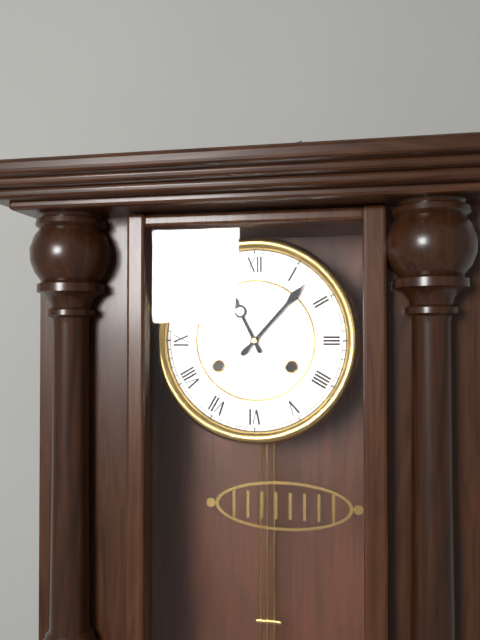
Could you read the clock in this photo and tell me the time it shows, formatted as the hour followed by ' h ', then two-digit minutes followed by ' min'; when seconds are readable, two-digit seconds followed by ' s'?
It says 11 h 07 min
